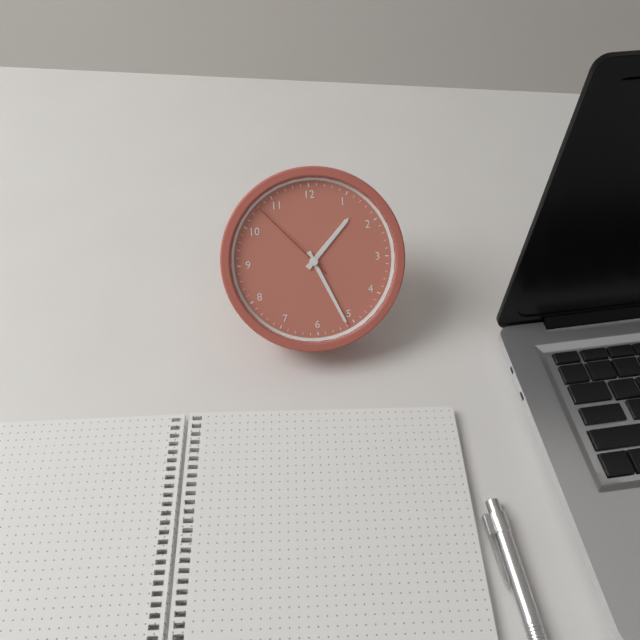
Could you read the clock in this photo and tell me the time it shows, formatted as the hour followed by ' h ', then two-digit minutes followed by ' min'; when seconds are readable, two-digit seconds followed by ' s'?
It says 1 h 26 min 53 s
